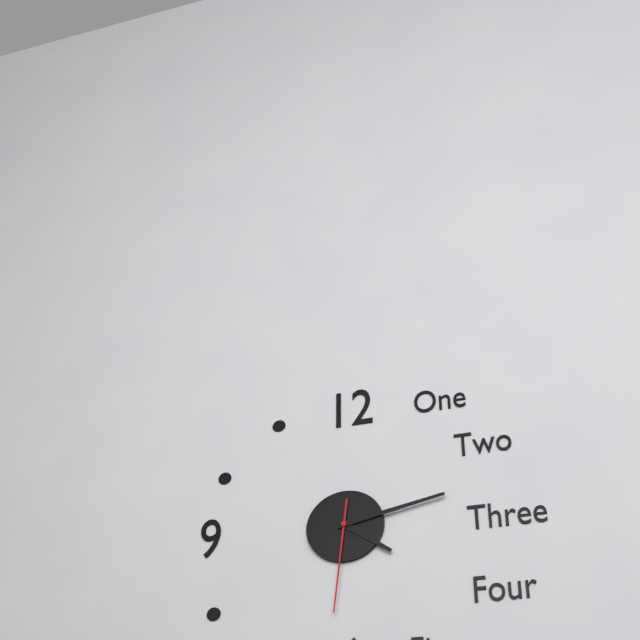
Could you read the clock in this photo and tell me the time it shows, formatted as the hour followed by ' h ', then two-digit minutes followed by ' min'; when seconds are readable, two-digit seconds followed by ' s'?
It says 4 h 13 min 31 s
